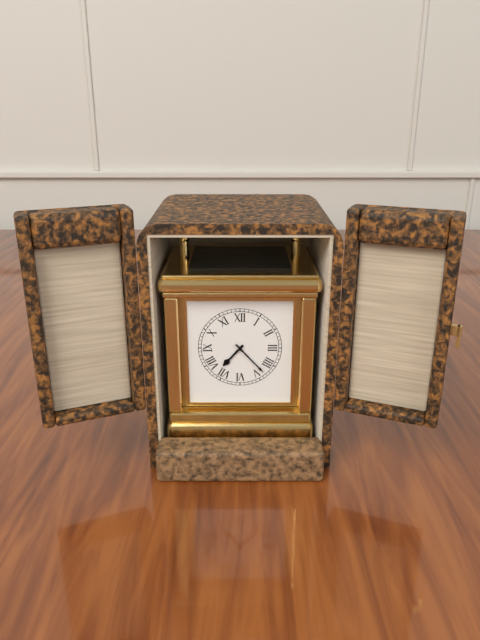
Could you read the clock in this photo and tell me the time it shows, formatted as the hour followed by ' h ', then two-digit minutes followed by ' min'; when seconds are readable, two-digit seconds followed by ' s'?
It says 7 h 23 min
